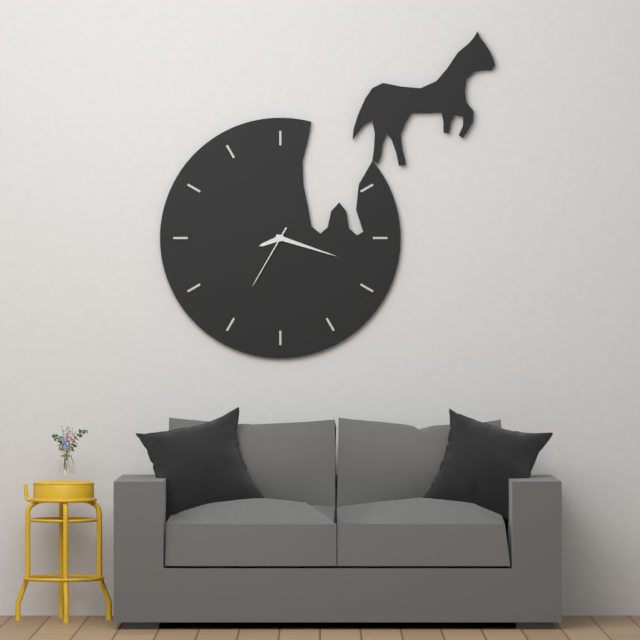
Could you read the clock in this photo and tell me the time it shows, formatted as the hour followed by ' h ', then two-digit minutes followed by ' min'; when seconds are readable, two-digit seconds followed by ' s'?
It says 8 h 18 min 35 s
